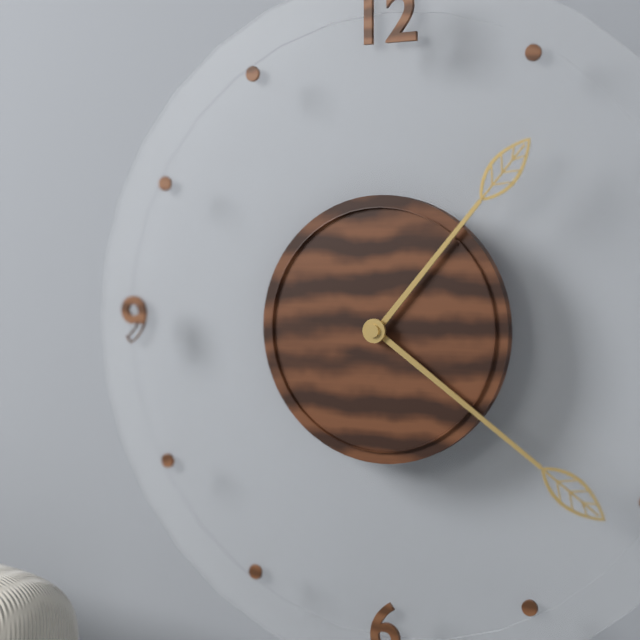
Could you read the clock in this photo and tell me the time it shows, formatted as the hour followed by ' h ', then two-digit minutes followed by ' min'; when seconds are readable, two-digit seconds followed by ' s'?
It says 1 h 21 min
